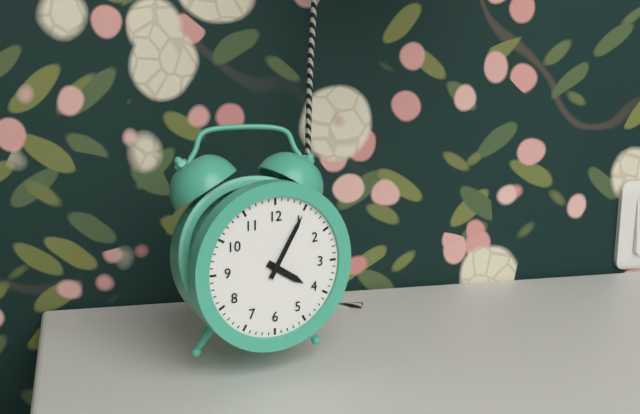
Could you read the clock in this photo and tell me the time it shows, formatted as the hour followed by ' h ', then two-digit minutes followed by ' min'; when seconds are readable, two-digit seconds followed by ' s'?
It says 4 h 05 min
